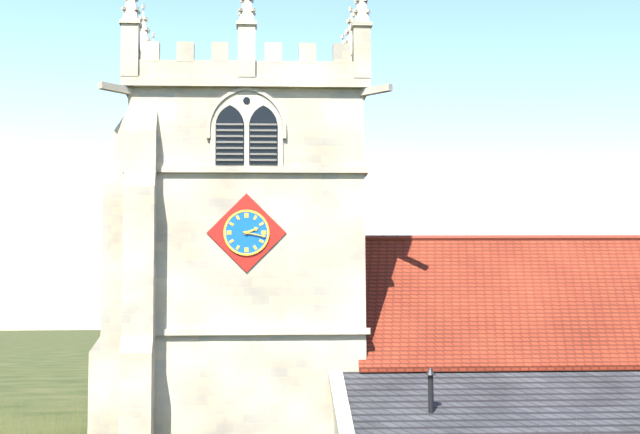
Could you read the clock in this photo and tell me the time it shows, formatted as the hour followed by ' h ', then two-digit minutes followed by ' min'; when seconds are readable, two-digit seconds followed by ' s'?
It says 2 h 17 min
